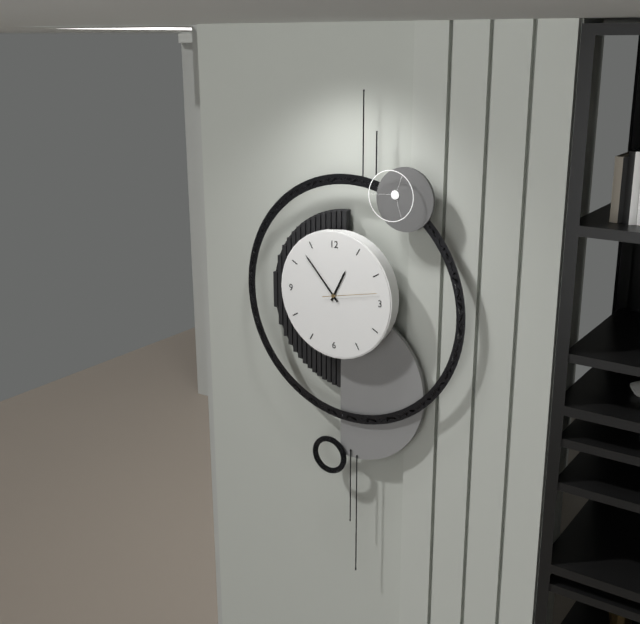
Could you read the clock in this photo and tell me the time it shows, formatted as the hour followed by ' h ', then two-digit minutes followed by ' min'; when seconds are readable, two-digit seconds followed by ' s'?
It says 12 h 53 min 13 s
